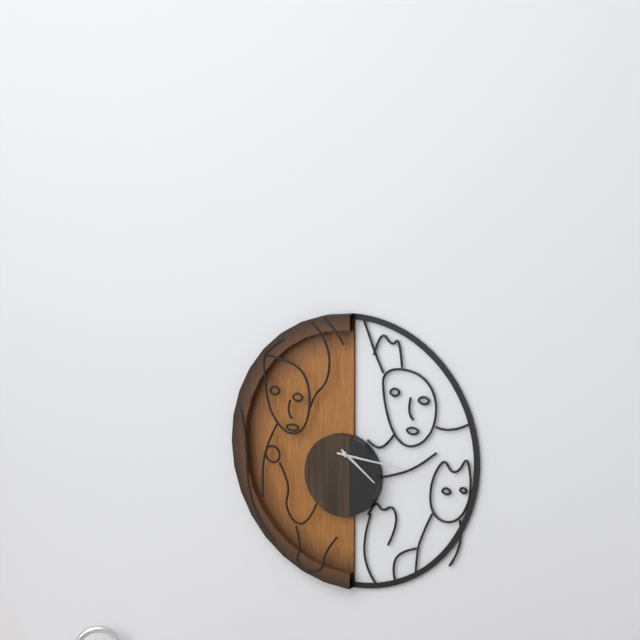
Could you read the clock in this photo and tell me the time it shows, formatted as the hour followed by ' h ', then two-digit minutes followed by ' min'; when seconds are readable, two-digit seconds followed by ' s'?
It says 4 h 16 min
